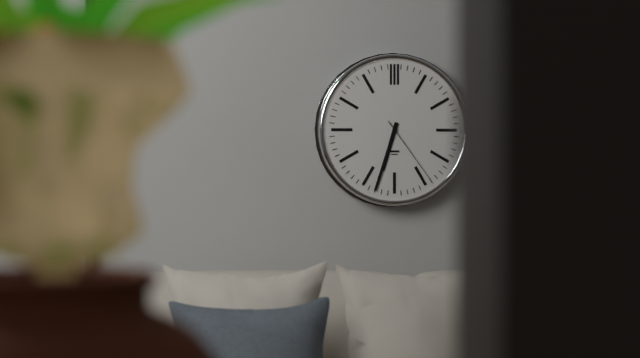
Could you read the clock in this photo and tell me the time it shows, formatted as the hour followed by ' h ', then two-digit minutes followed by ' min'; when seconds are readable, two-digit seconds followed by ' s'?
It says 6 h 33 min 24 s
